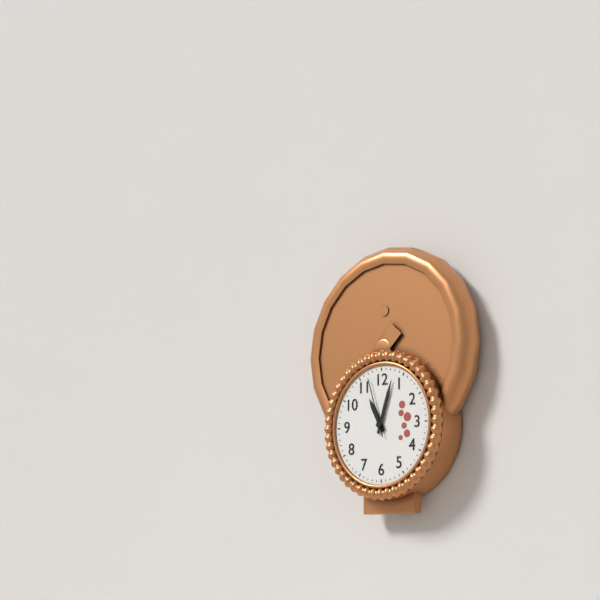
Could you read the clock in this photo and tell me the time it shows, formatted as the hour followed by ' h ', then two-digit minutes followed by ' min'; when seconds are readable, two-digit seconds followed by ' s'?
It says 11 h 03 min 57 s
